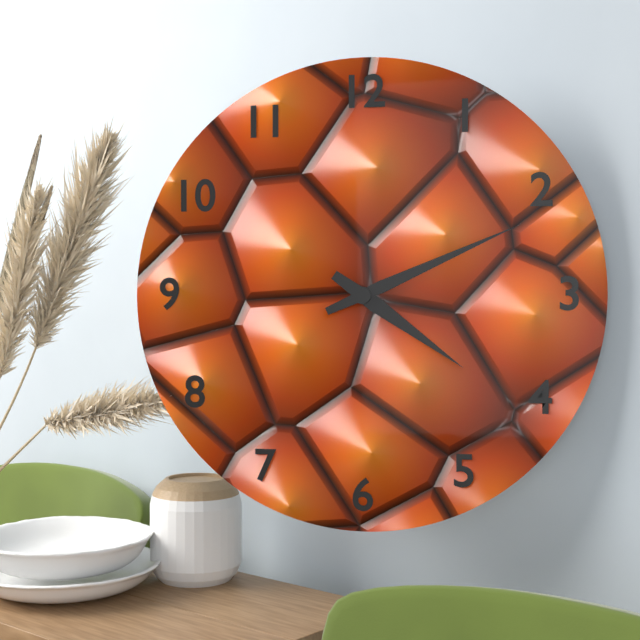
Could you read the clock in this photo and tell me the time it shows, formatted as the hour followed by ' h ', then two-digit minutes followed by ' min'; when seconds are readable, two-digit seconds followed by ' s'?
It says 4 h 11 min
